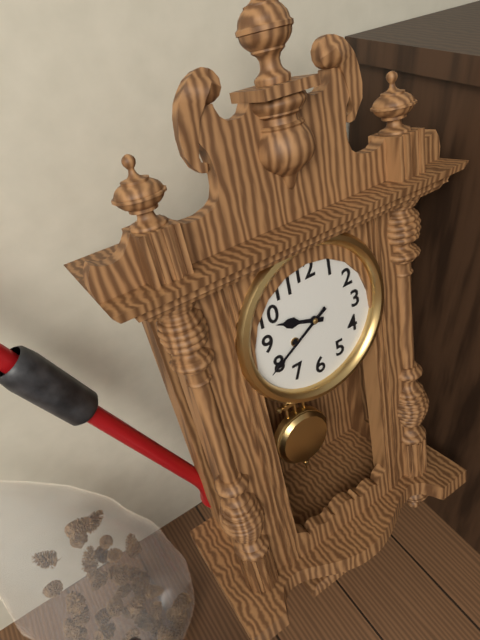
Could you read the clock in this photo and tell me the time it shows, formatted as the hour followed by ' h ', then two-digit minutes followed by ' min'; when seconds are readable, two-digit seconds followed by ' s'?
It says 9 h 40 min
